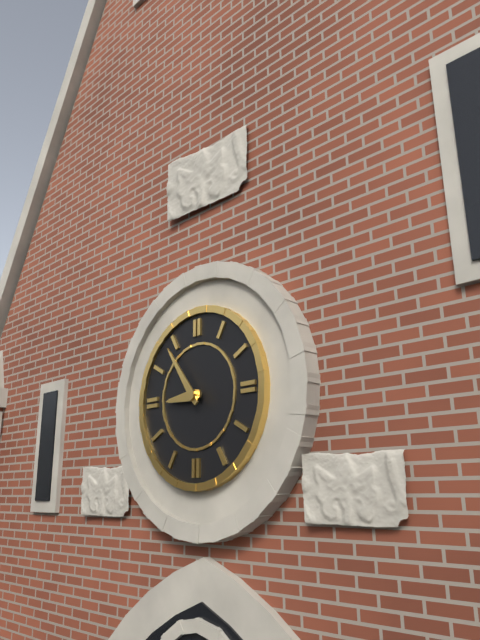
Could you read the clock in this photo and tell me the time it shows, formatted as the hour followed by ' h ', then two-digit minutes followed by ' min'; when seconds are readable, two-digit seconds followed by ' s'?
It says 8 h 54 min
